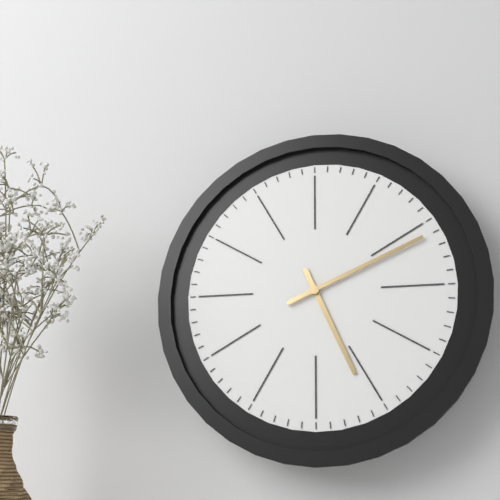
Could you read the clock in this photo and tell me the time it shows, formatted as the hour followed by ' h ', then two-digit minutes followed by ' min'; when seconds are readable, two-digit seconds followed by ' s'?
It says 5 h 11 min
